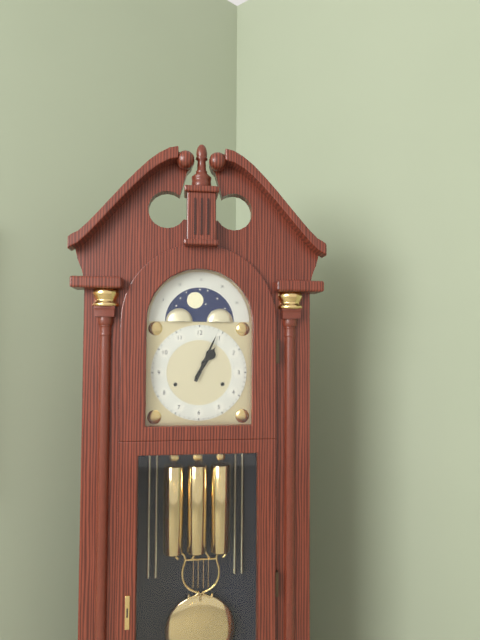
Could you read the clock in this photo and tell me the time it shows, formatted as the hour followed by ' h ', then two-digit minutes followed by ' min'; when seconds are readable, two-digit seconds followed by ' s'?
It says 1 h 04 min
